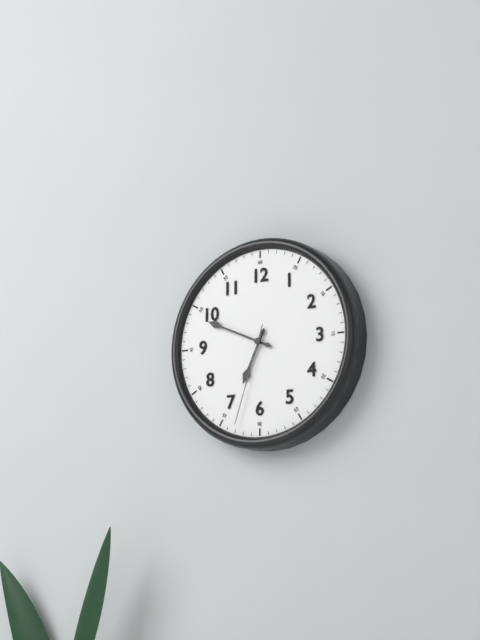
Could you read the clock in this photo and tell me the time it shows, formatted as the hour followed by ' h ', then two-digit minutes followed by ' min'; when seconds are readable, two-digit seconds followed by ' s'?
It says 6 h 49 min 33 s
